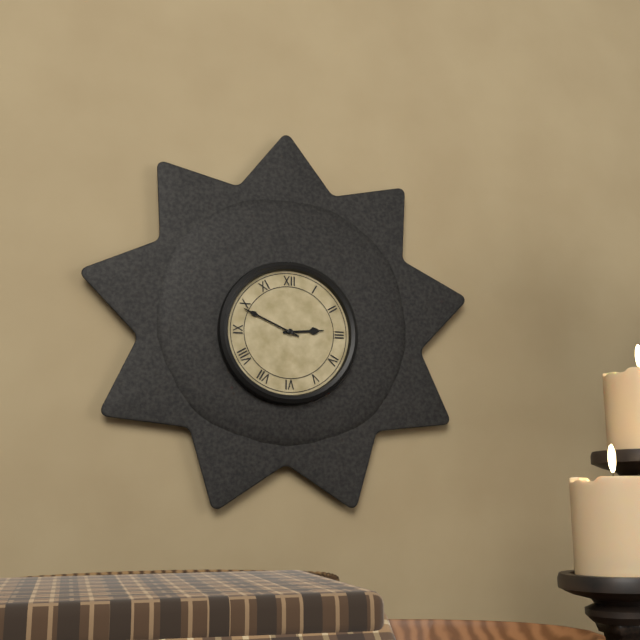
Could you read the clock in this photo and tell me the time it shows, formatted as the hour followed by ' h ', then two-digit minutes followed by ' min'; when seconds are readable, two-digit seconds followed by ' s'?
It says 2 h 49 min
